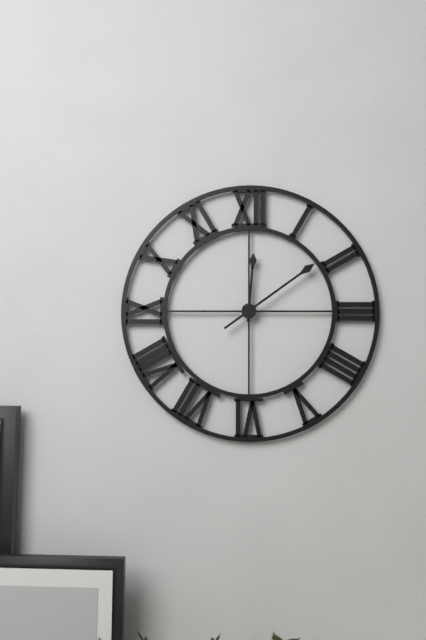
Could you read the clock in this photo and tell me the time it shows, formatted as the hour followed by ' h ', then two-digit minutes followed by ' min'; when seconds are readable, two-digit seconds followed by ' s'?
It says 12 h 09 min
